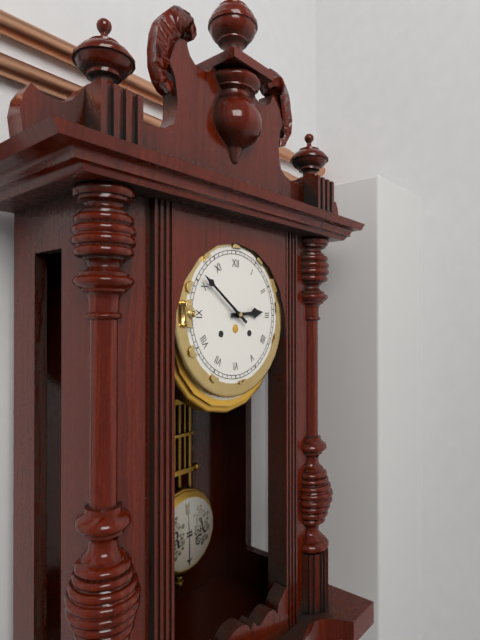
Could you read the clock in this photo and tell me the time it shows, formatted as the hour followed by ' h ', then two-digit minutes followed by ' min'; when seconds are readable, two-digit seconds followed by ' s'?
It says 2 h 51 min
